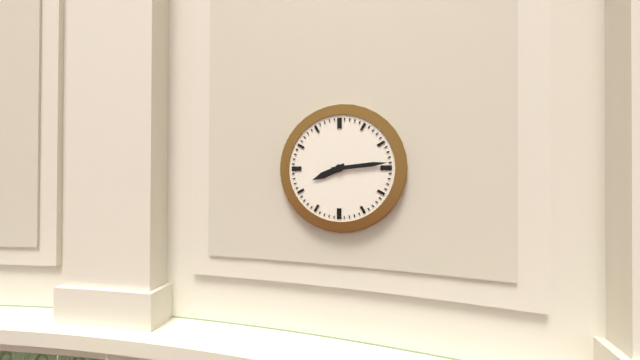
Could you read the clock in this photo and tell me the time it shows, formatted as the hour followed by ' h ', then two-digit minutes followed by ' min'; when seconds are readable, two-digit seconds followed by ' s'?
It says 8 h 14 min
